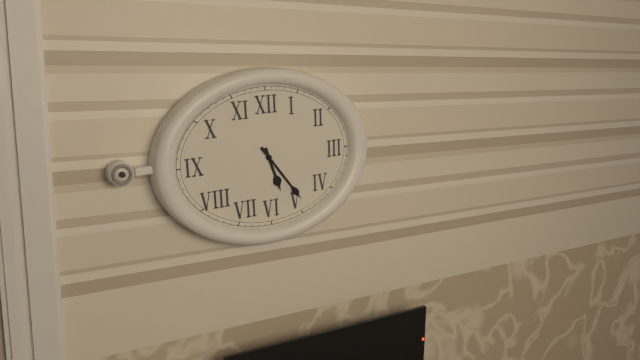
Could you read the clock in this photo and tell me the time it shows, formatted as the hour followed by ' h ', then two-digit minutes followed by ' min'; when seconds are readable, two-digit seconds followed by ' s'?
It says 5 h 24 min
